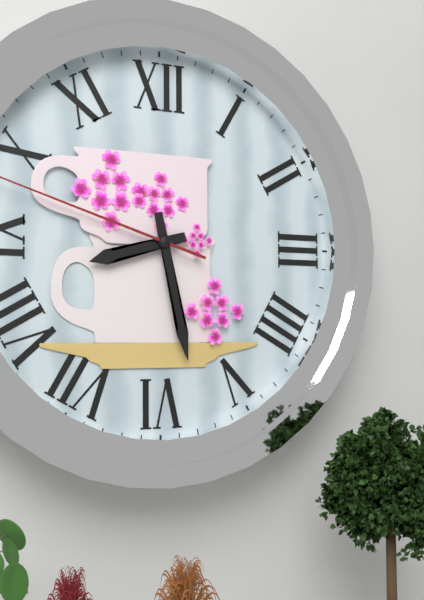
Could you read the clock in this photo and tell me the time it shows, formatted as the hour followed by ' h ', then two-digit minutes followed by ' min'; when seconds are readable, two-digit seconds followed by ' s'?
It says 8 h 28 min
